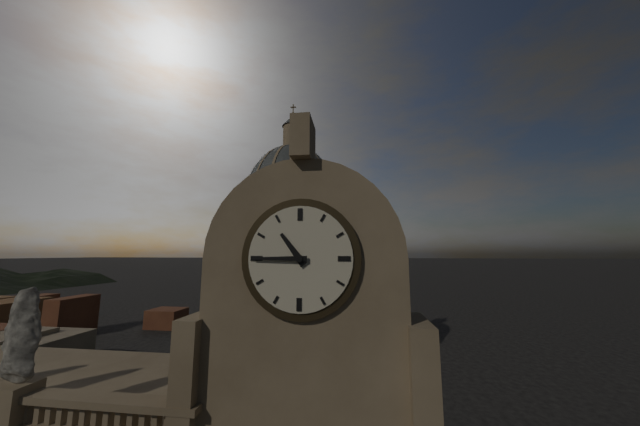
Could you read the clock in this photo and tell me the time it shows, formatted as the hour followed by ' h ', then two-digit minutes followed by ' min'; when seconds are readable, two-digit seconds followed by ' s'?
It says 10 h 45 min
